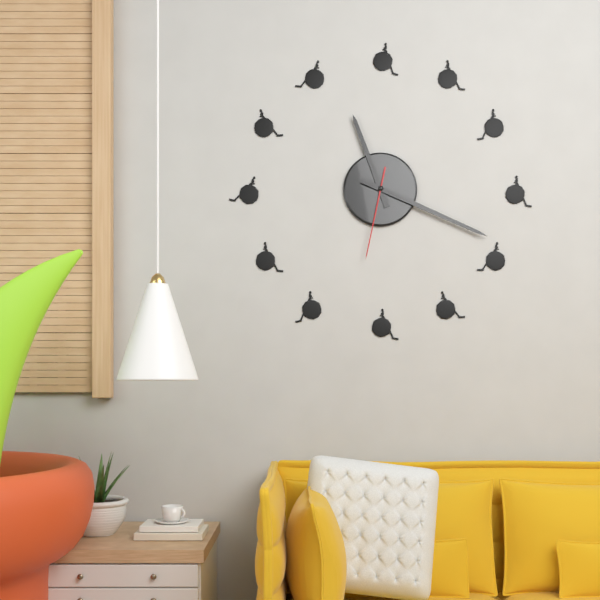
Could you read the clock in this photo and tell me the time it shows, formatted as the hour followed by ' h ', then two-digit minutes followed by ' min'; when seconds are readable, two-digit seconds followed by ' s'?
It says 11 h 19 min 32 s
